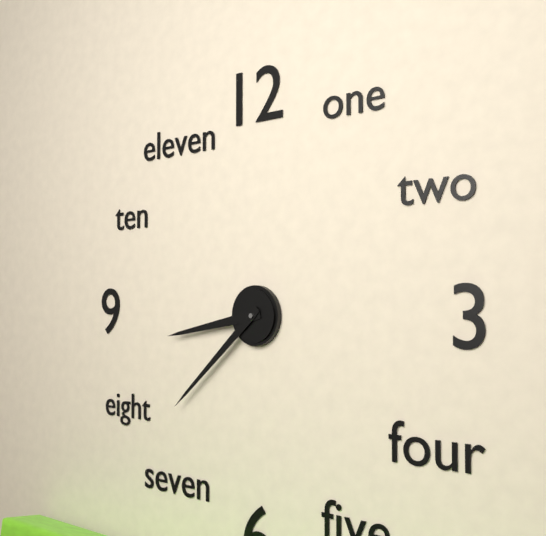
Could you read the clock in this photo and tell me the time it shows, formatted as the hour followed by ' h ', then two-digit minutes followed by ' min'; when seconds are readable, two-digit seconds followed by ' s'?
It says 8 h 38 min
